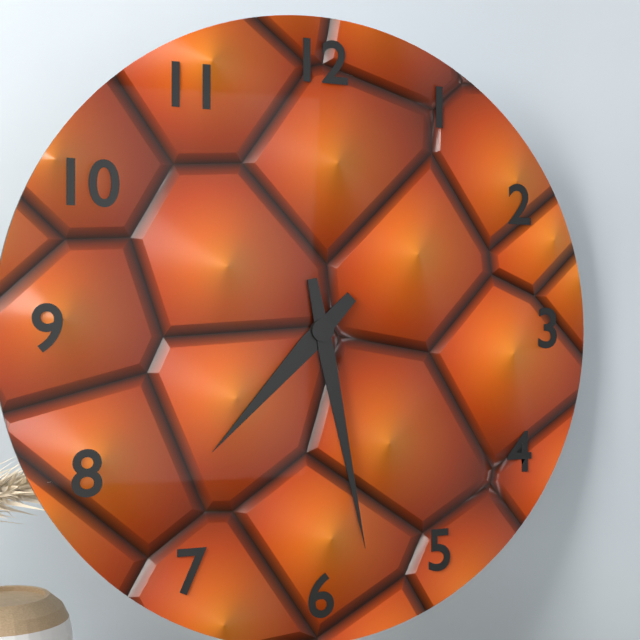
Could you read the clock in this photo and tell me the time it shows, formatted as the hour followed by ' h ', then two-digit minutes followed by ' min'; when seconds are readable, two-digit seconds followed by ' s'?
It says 7 h 28 min
